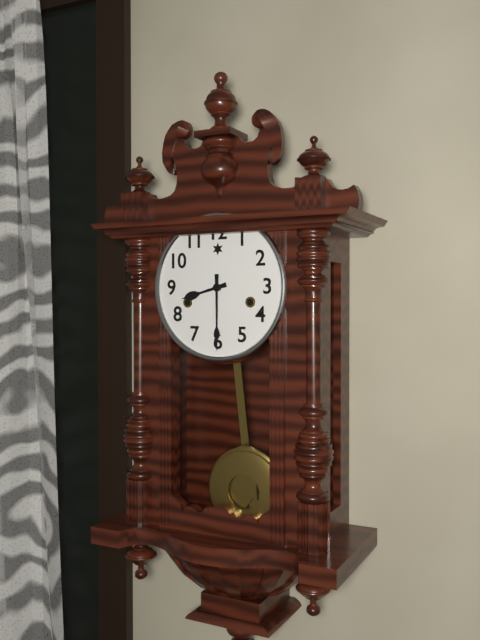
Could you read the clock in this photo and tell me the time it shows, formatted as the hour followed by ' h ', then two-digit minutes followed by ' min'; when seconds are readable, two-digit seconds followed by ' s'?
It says 8 h 30 min
